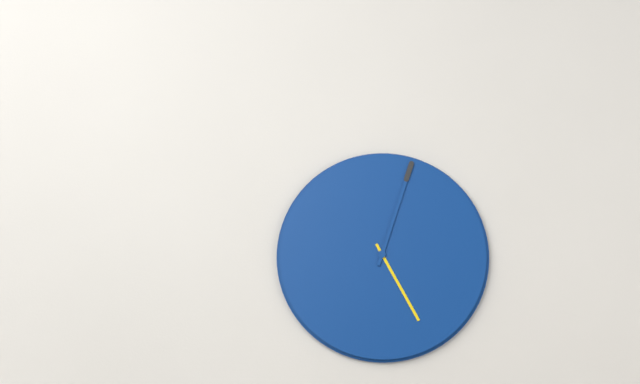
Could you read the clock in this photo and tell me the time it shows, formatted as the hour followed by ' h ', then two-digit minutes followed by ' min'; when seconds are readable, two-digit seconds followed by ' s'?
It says 5 h 03 min
